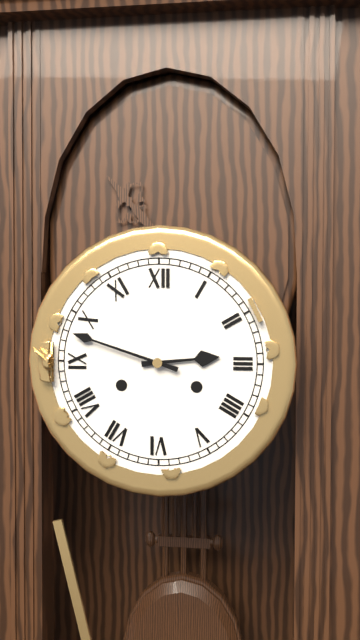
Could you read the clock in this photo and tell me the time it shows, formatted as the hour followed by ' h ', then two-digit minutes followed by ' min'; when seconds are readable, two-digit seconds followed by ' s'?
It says 2 h 48 min
